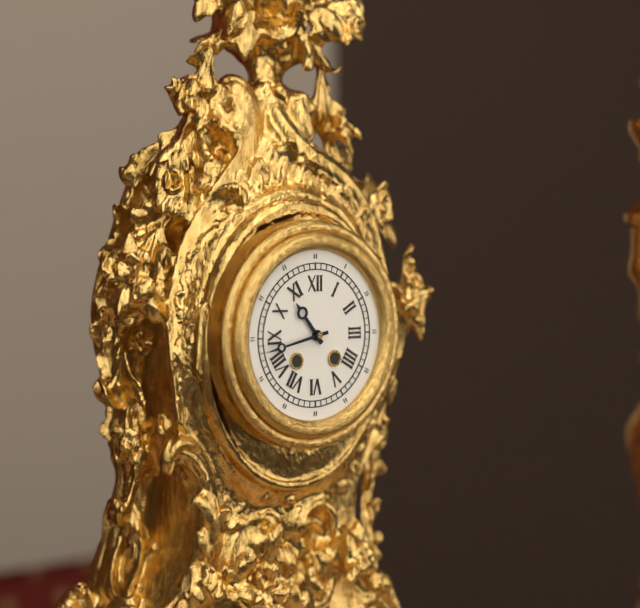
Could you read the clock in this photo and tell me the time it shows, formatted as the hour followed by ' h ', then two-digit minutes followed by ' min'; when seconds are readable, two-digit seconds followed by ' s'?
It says 10 h 43 min
